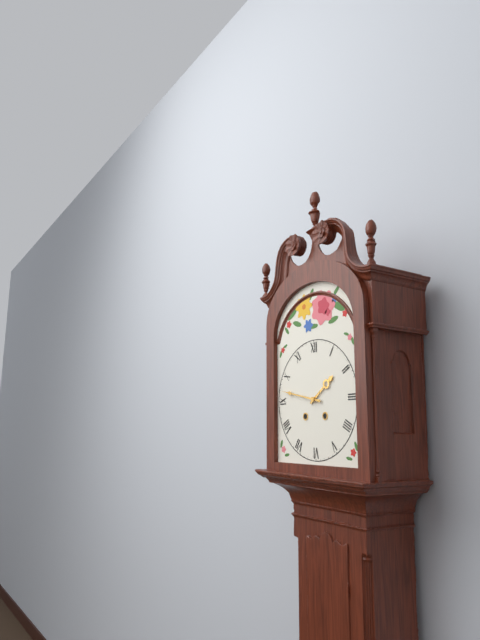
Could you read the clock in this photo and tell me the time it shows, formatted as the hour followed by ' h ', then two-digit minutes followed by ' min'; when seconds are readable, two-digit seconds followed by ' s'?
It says 1 h 47 min
